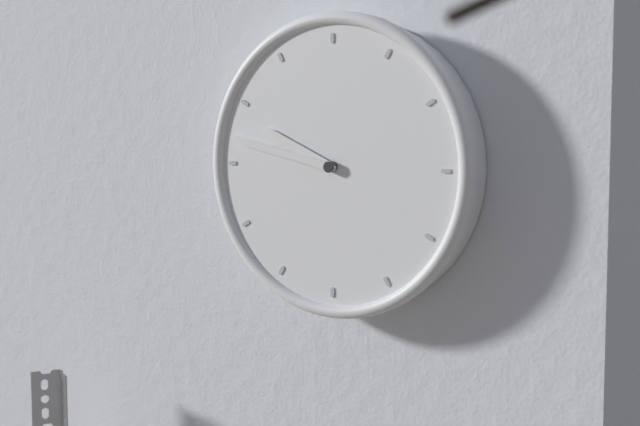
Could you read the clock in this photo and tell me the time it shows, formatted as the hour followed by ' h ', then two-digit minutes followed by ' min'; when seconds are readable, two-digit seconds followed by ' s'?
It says 9 h 47 min
